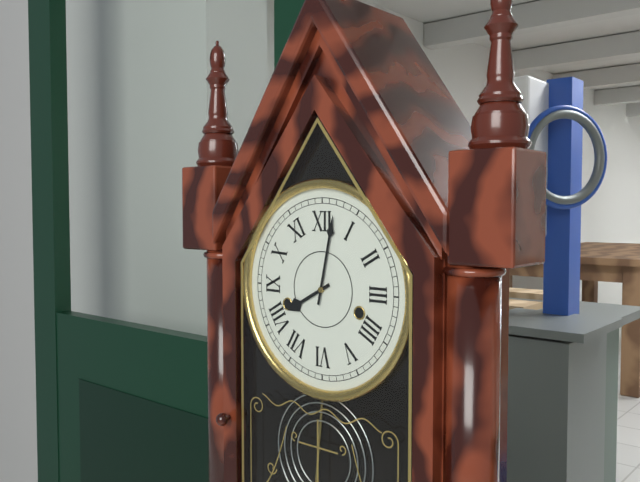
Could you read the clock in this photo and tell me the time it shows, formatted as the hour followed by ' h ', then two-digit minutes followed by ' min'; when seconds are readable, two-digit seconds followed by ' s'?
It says 8 h 02 min
